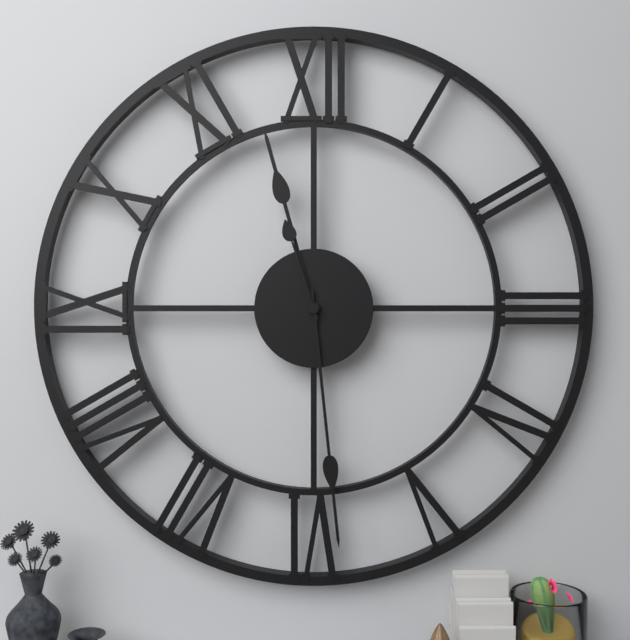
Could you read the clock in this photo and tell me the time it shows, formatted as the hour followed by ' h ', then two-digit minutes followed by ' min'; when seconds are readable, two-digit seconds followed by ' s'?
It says 11 h 29 min 57 s
